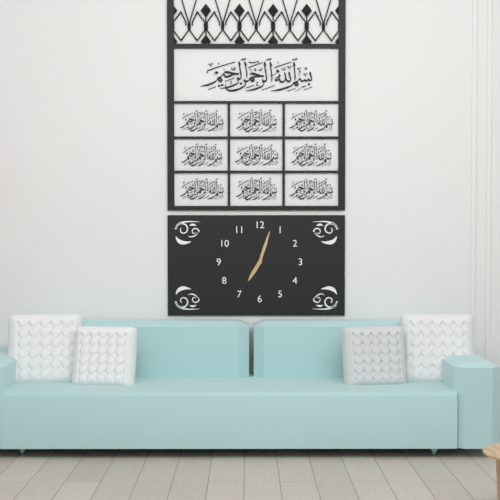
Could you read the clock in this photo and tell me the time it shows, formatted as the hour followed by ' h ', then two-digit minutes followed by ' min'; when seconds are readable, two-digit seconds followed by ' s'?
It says 7 h 03 min
